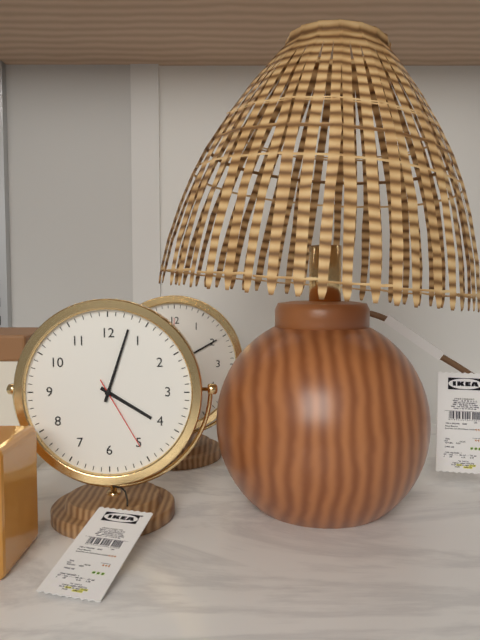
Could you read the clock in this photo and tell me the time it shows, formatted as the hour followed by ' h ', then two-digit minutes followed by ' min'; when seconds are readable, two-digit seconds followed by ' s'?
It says 4 h 03 min 25 s
